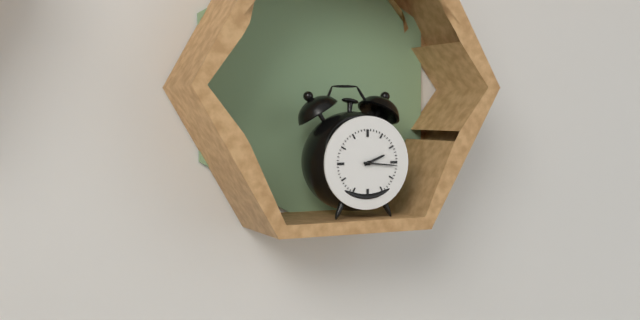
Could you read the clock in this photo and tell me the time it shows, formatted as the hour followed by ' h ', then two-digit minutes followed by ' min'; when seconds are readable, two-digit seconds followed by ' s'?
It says 2 h 16 min
